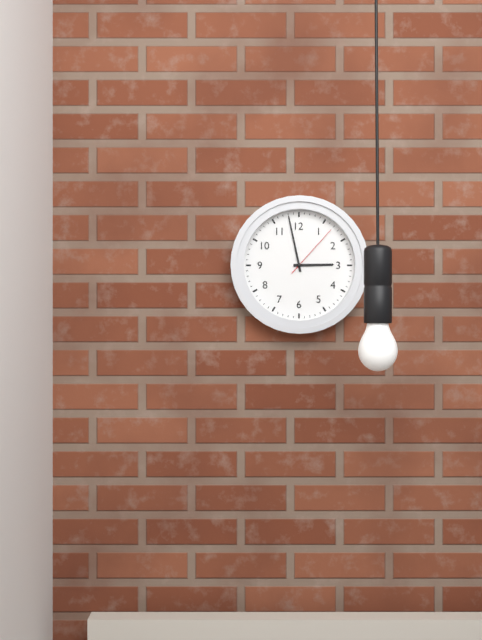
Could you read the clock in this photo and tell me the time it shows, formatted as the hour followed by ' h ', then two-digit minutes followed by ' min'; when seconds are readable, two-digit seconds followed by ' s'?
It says 2 h 58 min 07 s
